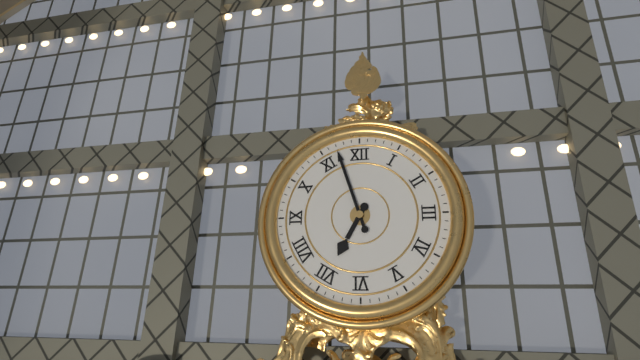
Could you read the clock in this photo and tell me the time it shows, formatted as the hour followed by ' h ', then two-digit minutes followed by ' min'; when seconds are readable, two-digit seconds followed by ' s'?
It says 6 h 57 min
